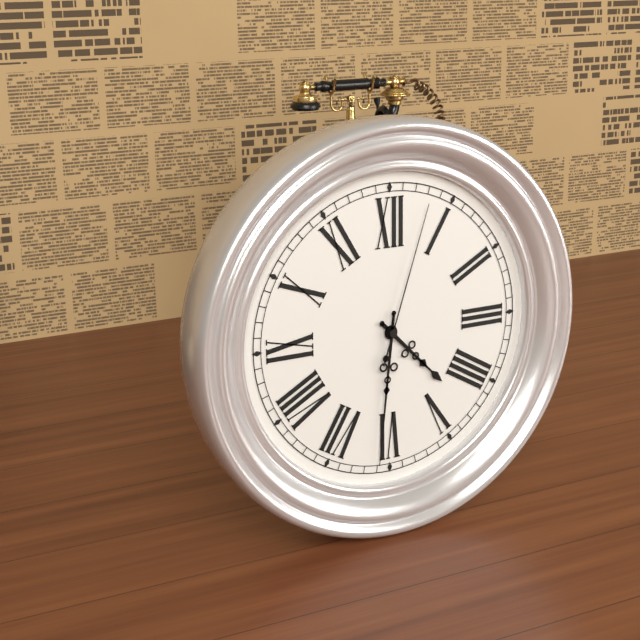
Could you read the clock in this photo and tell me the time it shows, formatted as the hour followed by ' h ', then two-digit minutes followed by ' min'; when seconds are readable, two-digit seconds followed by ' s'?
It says 4 h 31 min 03 s
